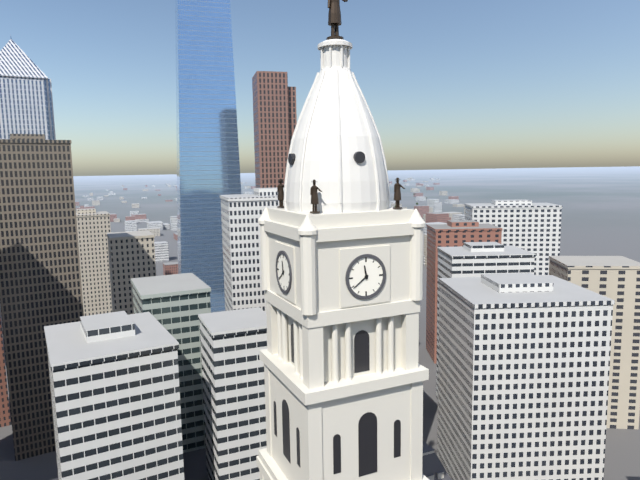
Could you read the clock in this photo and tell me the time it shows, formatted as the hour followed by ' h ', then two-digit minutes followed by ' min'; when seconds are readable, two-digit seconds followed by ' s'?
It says 11 h 39 min
